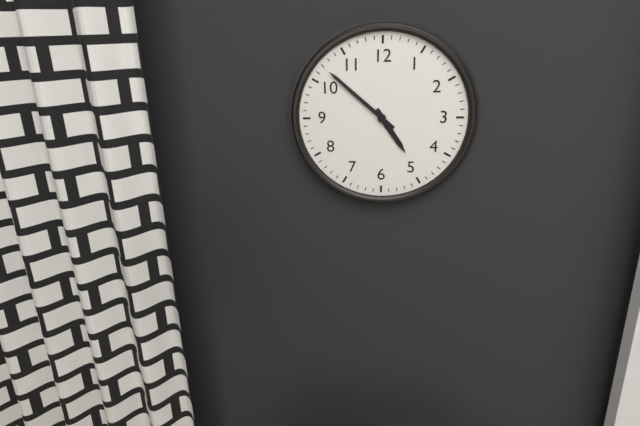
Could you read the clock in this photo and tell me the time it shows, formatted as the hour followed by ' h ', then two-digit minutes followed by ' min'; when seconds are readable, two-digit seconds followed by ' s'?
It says 4 h 52 min
